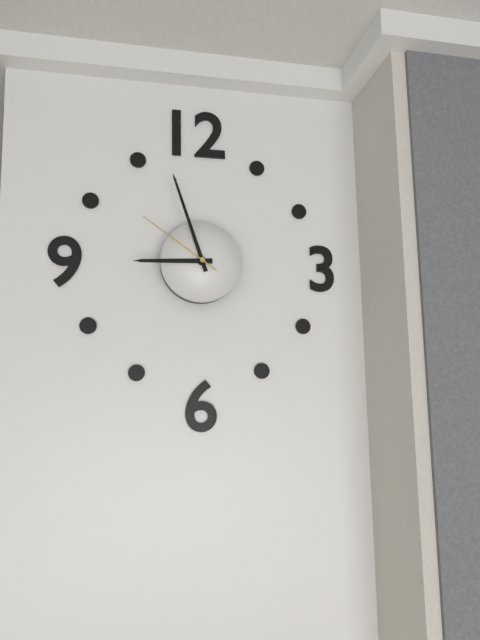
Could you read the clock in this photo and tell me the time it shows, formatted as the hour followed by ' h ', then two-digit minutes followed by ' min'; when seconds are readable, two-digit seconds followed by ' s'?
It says 8 h 57 min 51 s
